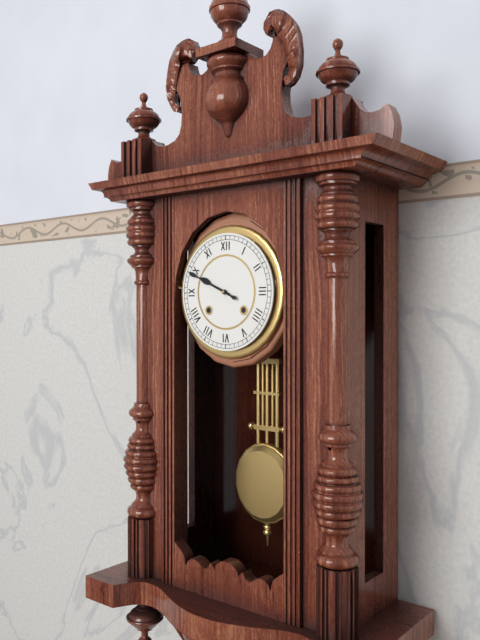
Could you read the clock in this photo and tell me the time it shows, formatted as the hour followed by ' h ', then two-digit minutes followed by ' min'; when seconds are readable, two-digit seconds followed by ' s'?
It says 9 h 49 min
